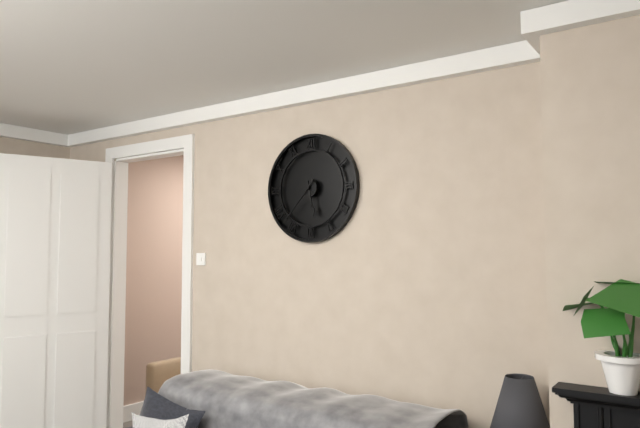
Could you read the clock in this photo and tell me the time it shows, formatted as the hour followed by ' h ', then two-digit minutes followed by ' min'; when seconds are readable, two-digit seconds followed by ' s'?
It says 5 h 37 min
